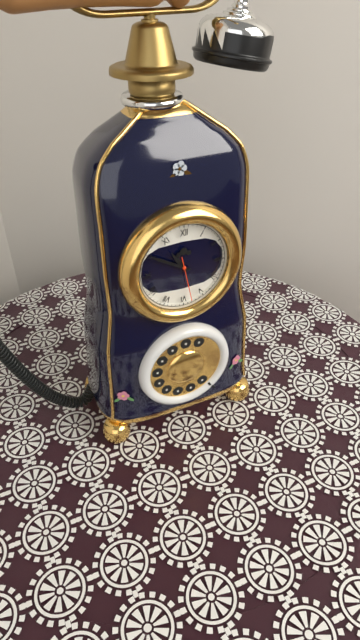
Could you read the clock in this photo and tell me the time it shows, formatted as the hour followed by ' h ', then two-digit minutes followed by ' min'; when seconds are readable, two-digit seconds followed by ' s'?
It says 10 h 50 min
